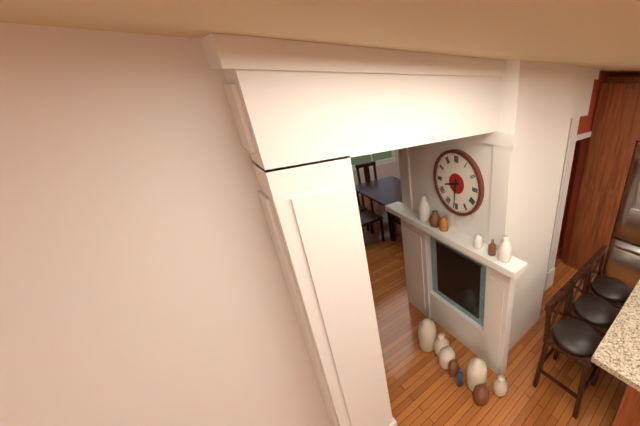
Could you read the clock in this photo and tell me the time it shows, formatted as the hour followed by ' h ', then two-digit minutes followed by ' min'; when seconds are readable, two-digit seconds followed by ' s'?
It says 8 h 31 min
